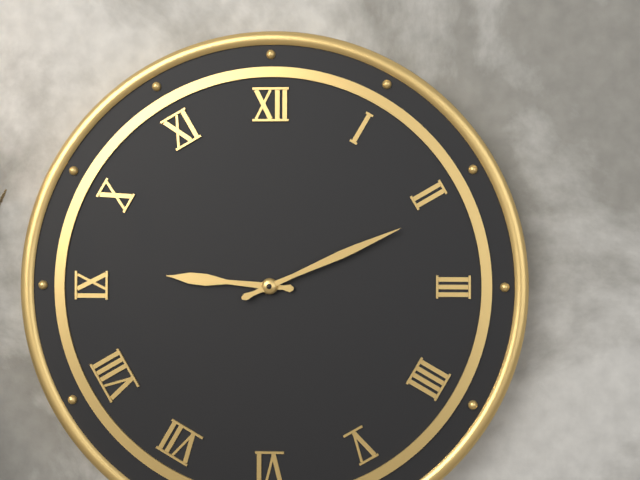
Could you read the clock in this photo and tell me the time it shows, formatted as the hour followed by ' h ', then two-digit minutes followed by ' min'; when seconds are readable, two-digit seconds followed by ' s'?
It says 9 h 11 min
